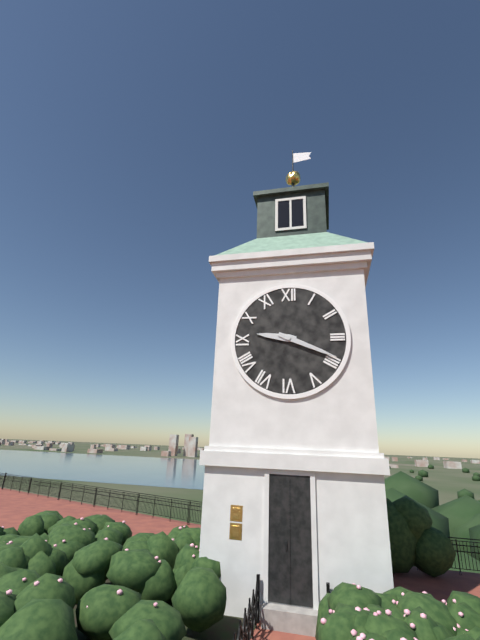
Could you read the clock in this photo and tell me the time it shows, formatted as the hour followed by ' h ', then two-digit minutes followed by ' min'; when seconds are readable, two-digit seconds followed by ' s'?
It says 9 h 19 min
